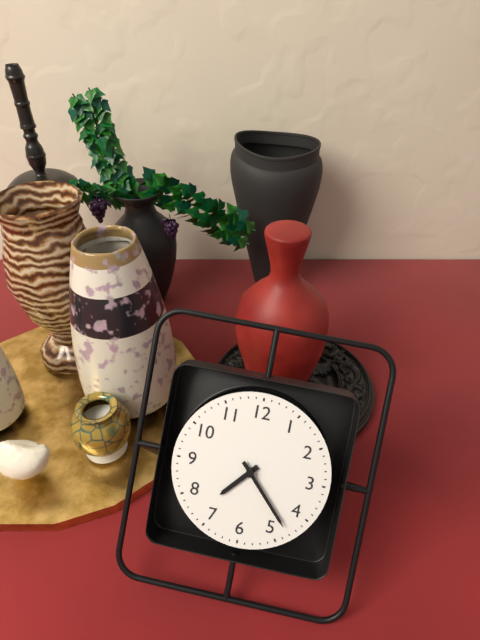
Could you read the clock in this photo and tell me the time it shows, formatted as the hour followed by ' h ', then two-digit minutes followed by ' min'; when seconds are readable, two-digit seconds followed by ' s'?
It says 7 h 23 min
